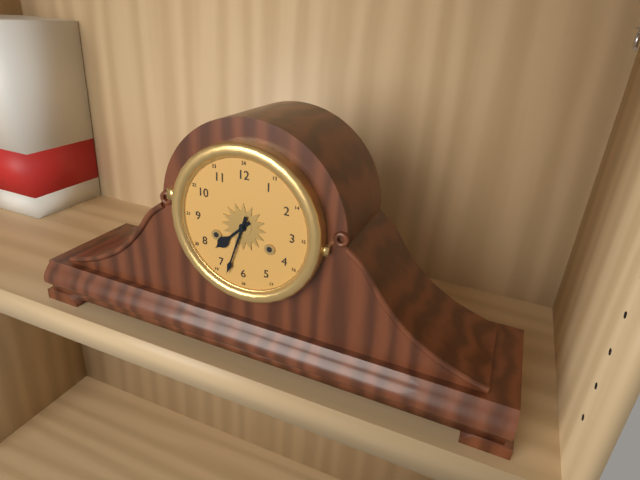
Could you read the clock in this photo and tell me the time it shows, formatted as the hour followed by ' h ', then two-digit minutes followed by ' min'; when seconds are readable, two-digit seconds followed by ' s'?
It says 7 h 33 min
